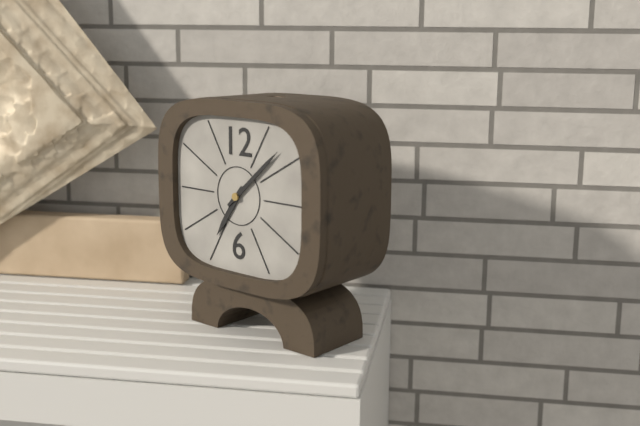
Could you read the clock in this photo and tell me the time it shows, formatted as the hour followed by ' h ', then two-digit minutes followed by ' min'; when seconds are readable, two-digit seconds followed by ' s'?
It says 7 h 08 min
